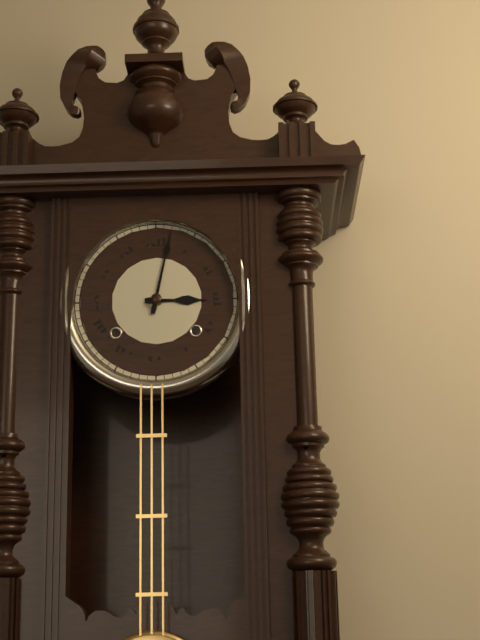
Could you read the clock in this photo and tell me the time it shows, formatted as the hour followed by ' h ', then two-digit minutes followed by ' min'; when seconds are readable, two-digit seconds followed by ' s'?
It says 3 h 02 min
